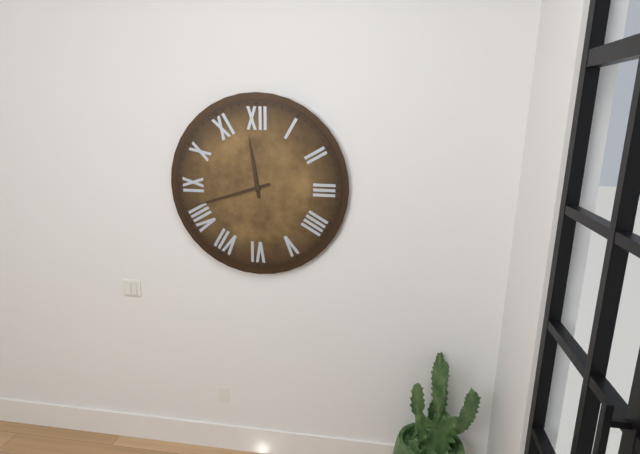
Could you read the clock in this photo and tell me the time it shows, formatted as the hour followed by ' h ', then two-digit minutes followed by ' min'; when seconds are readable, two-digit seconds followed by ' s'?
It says 11 h 42 min
